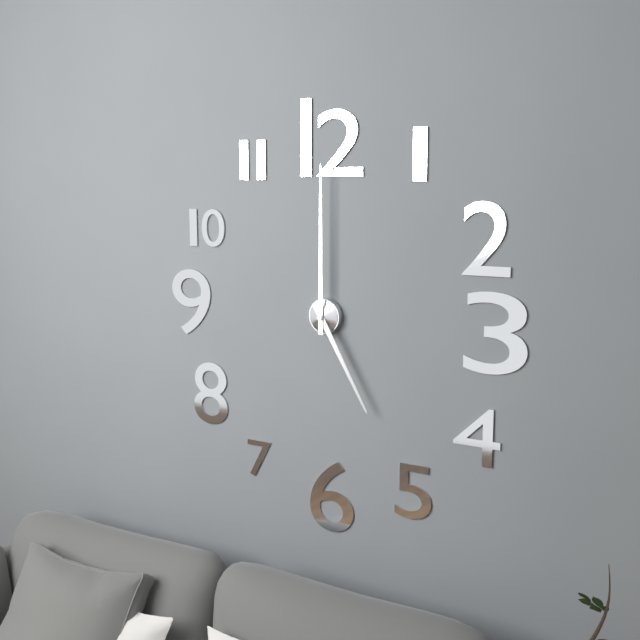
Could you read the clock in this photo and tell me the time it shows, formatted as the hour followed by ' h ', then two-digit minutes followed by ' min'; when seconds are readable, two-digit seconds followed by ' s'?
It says 5 h 00 min
